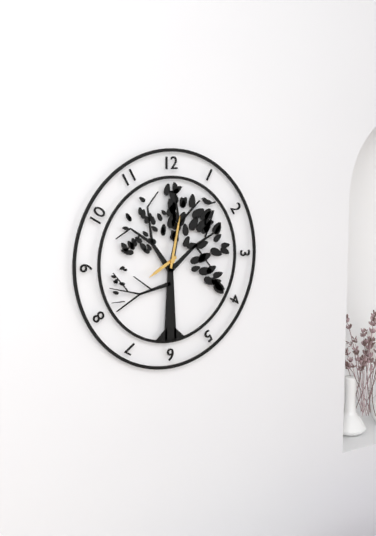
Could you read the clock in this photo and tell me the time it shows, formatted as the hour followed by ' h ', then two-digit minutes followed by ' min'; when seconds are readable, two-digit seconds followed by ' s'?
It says 8 h 02 min
